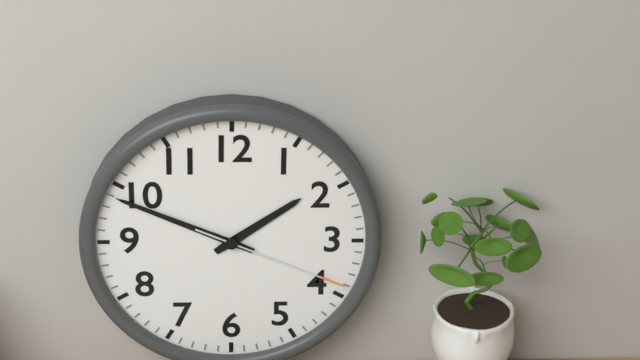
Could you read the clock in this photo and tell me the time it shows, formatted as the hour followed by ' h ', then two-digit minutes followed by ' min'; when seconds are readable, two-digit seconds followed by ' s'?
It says 1 h 49 min 19 s
